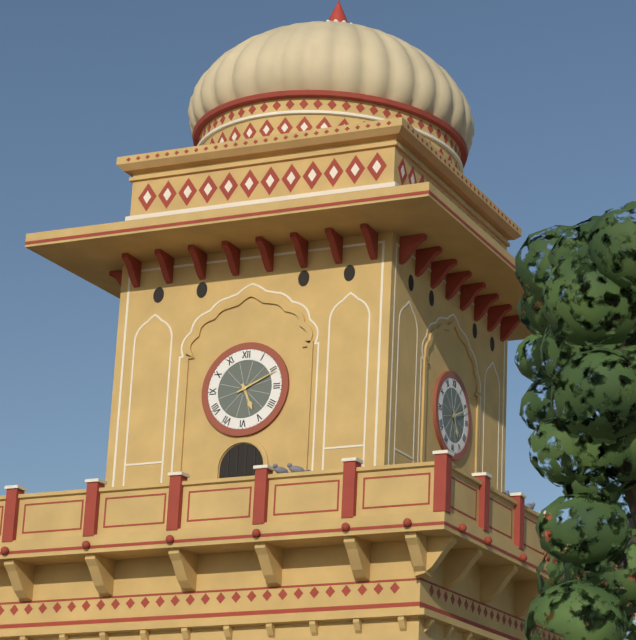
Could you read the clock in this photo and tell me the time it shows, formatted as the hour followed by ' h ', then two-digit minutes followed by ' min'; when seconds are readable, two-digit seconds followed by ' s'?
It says 5 h 11 min
